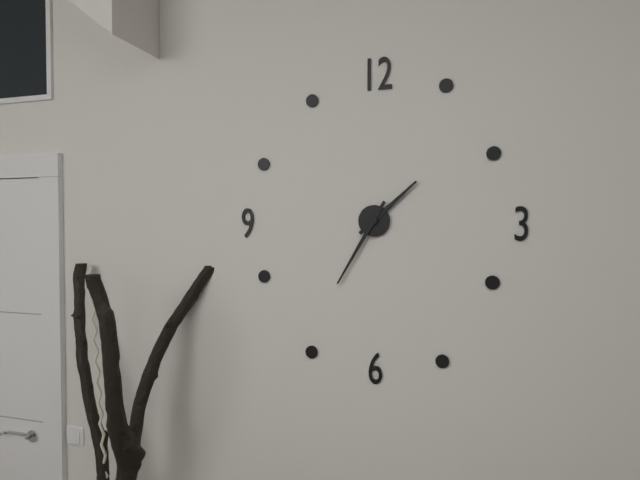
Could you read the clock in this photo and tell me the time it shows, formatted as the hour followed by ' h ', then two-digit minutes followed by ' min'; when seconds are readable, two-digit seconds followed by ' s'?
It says 1 h 35 min
